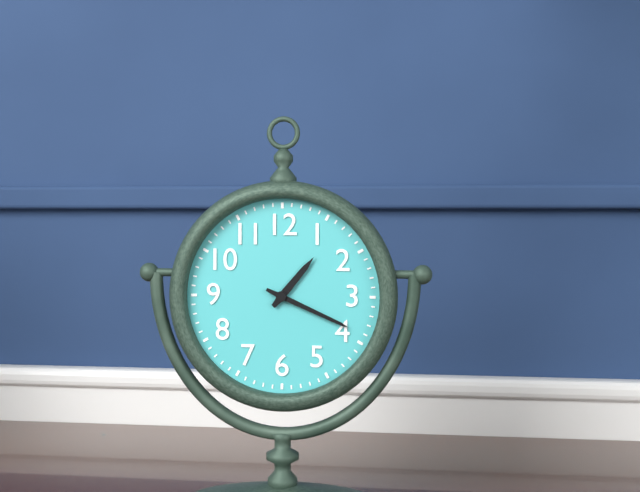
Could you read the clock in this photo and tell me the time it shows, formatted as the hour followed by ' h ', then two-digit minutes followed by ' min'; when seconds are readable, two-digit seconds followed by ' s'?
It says 1 h 19 min
